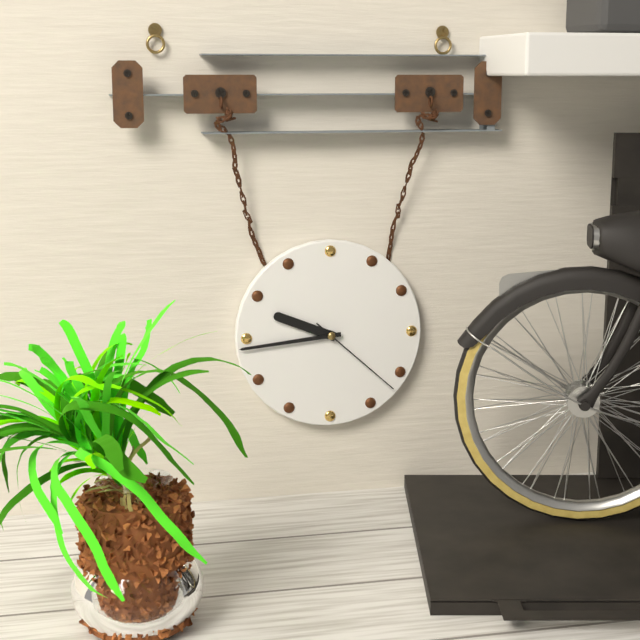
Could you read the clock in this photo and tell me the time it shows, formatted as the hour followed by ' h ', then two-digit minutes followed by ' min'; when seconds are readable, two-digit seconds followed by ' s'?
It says 9 h 44 min 22 s
